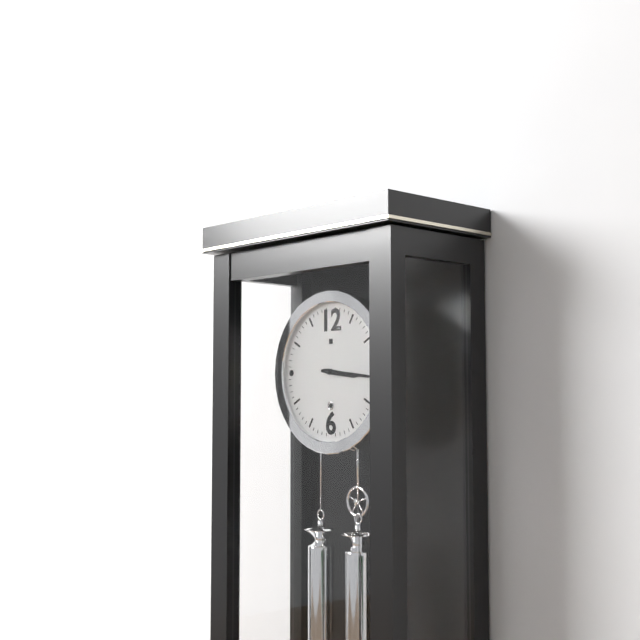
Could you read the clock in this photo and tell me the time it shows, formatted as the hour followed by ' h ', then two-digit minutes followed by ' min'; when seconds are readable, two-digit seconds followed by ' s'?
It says 3 h 16 min
